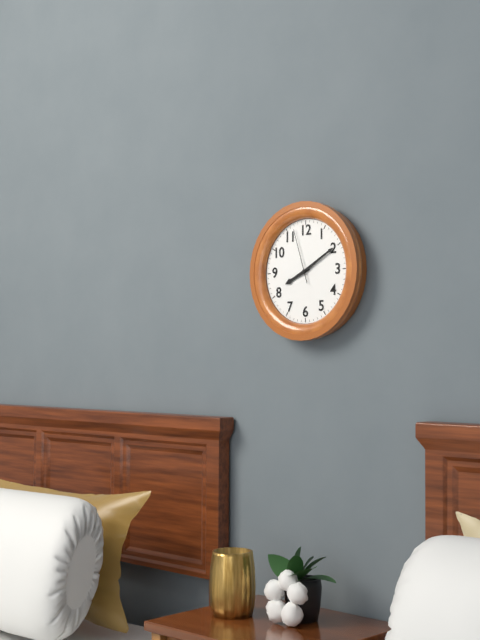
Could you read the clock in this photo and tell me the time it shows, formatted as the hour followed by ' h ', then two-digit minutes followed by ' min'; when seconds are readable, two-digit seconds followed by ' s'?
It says 8 h 10 min 57 s
